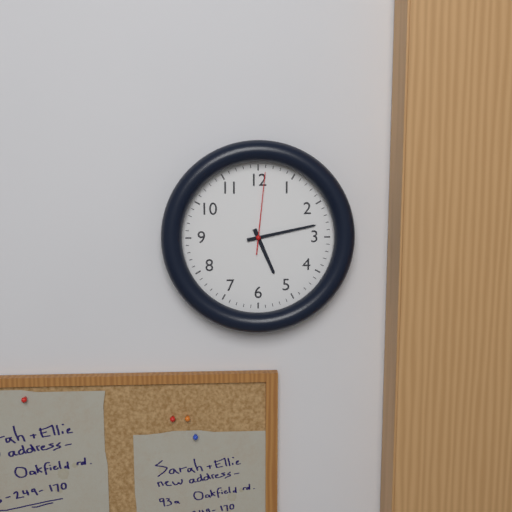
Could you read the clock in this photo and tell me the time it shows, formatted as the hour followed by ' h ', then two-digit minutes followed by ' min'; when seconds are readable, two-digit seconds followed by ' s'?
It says 5 h 13 min 01 s
